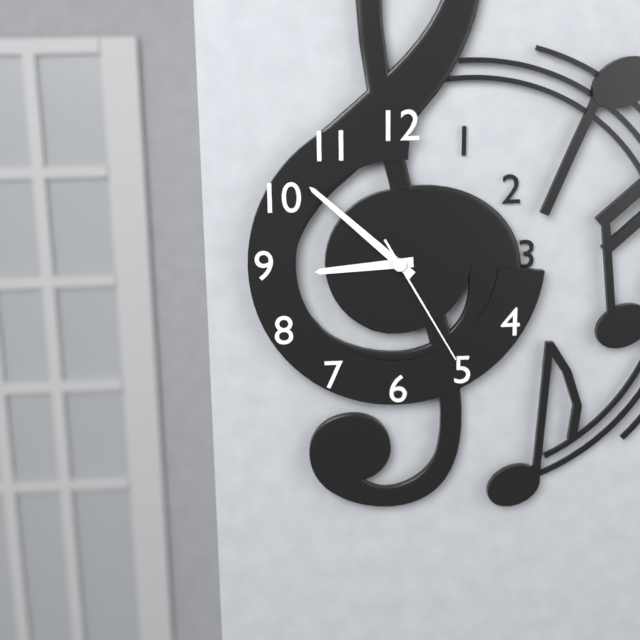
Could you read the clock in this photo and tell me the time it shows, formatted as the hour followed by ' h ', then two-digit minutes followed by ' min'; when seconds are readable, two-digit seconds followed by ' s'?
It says 8 h 52 min 25 s
